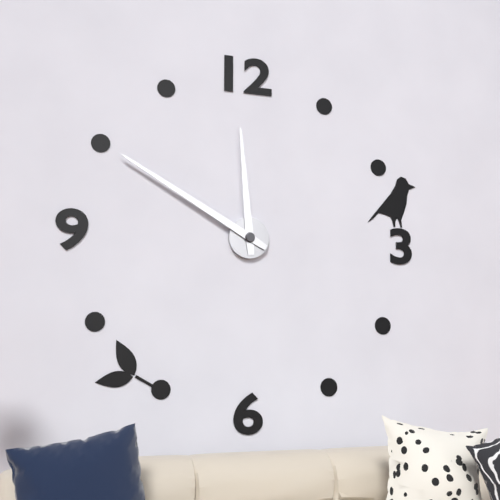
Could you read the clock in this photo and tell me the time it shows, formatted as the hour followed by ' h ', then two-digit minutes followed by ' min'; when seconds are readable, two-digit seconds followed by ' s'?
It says 11 h 50 min
